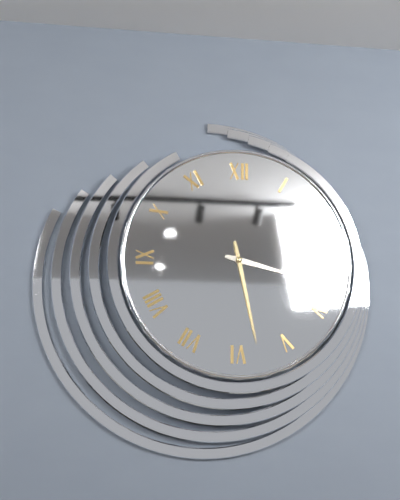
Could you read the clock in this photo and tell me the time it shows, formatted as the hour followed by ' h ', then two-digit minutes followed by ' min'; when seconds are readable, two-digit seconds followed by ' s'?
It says 3 h 28 min
